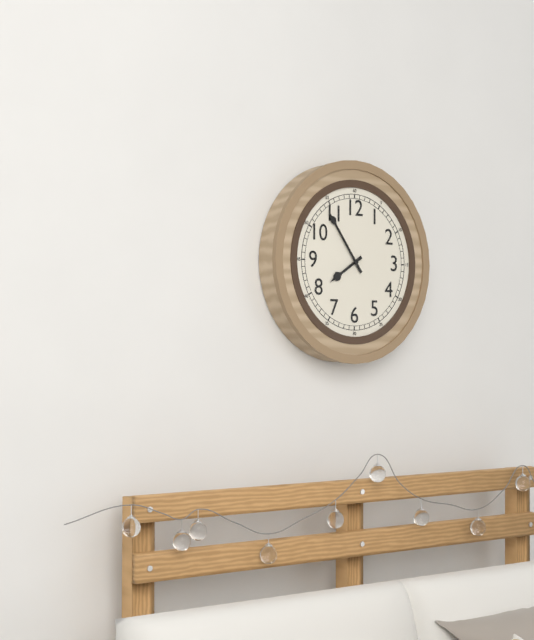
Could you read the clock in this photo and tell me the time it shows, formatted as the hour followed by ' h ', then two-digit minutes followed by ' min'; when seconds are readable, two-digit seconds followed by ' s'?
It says 7 h 54 min
